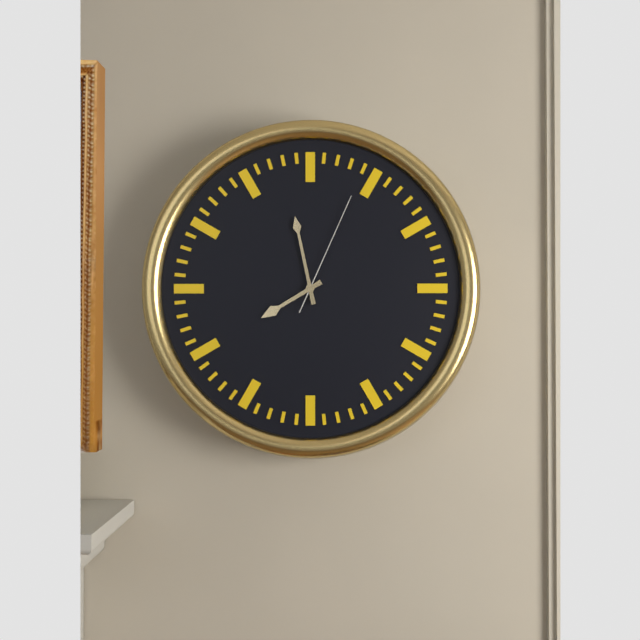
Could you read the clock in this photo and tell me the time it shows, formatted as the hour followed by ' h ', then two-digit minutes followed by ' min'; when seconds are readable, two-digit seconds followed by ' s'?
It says 7 h 58 min 04 s
